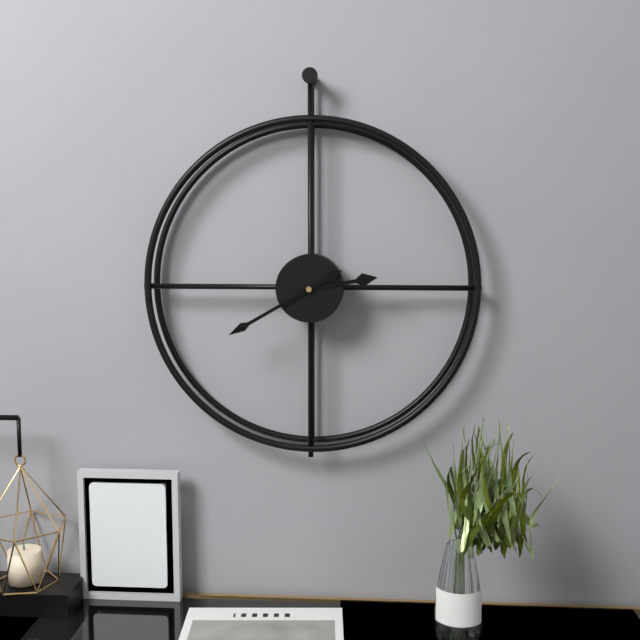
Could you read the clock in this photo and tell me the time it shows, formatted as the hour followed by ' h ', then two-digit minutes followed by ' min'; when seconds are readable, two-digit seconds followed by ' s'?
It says 2 h 40 min
